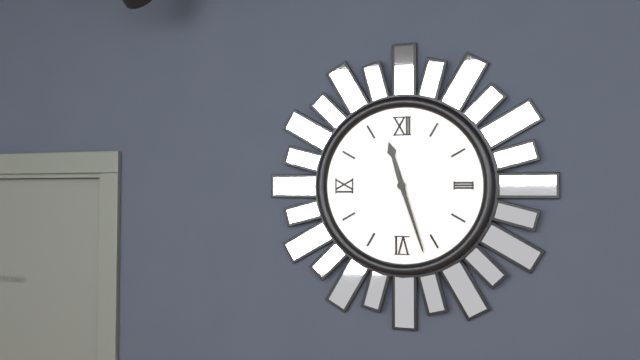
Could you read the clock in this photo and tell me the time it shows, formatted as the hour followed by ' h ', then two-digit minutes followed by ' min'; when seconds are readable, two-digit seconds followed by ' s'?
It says 11 h 27 min
